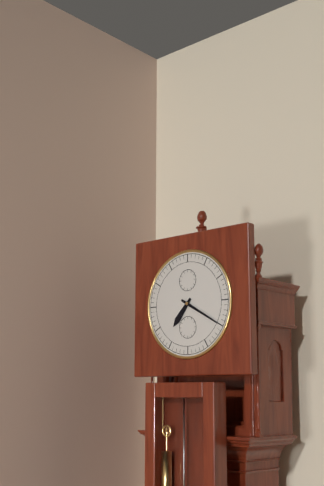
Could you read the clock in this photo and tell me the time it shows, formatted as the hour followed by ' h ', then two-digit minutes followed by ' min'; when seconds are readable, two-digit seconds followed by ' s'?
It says 7 h 20 min
